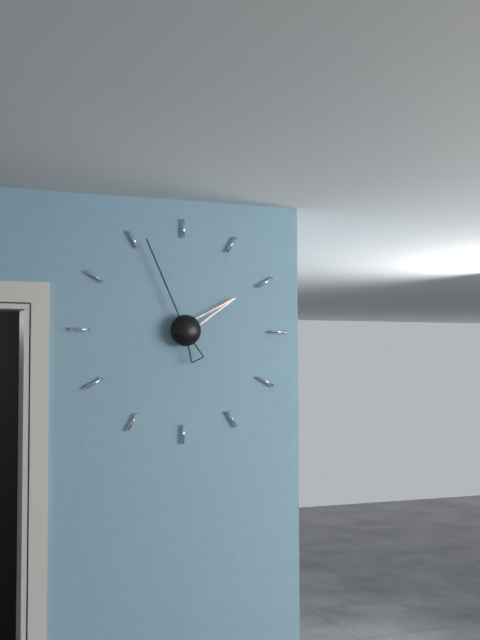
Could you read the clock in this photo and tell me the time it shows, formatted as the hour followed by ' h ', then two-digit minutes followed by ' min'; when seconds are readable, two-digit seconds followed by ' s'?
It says 1 h 56 min
